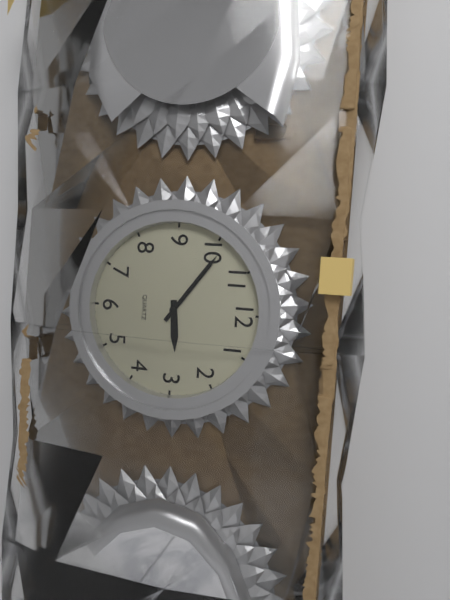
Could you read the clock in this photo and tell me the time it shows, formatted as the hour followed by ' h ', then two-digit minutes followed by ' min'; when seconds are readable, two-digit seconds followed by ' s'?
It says 2 h 51 min
